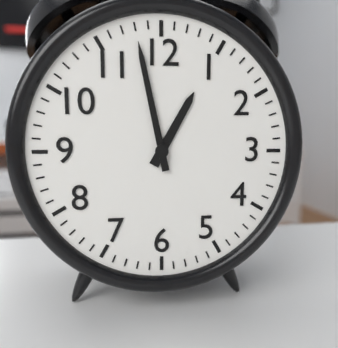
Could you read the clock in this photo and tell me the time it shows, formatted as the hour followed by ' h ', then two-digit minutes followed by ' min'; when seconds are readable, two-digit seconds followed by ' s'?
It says 12 h 58 min
